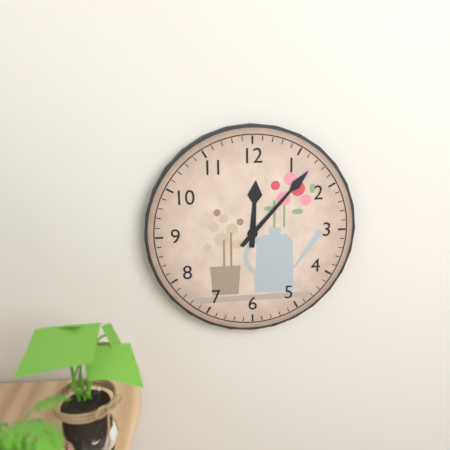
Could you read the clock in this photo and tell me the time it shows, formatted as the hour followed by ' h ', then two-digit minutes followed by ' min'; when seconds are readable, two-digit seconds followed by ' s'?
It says 12 h 07 min
